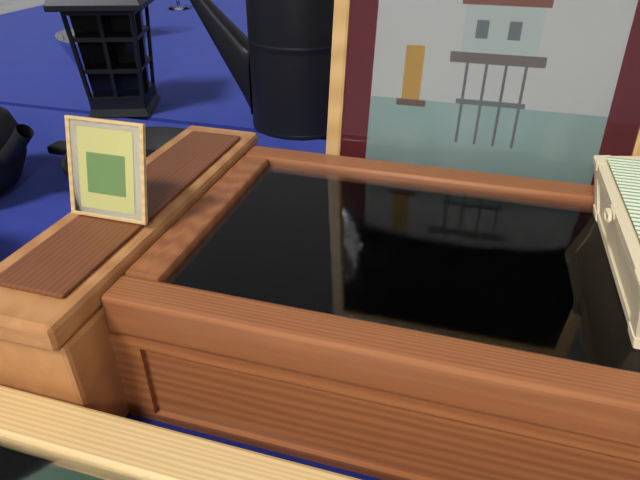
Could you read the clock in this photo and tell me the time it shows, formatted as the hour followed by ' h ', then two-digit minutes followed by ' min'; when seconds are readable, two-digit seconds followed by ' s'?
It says 5 h 24 min
